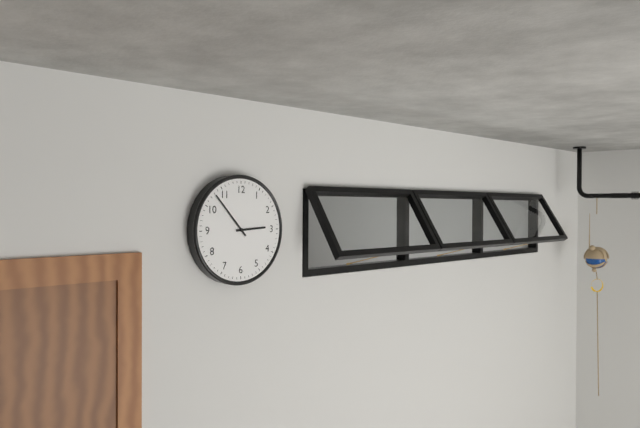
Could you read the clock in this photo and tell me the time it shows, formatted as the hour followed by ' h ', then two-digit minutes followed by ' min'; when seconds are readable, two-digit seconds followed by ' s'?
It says 2 h 53 min
